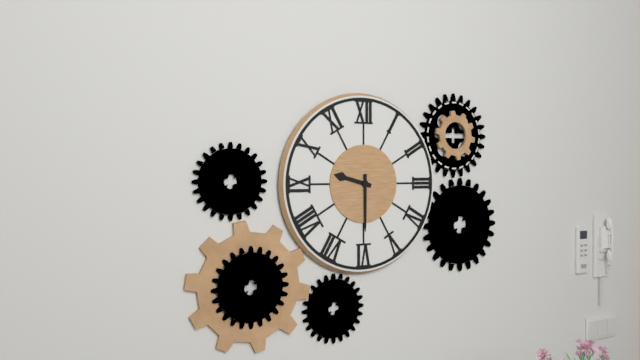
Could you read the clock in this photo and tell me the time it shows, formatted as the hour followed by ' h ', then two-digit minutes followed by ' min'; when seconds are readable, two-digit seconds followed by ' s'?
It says 9 h 30 min
